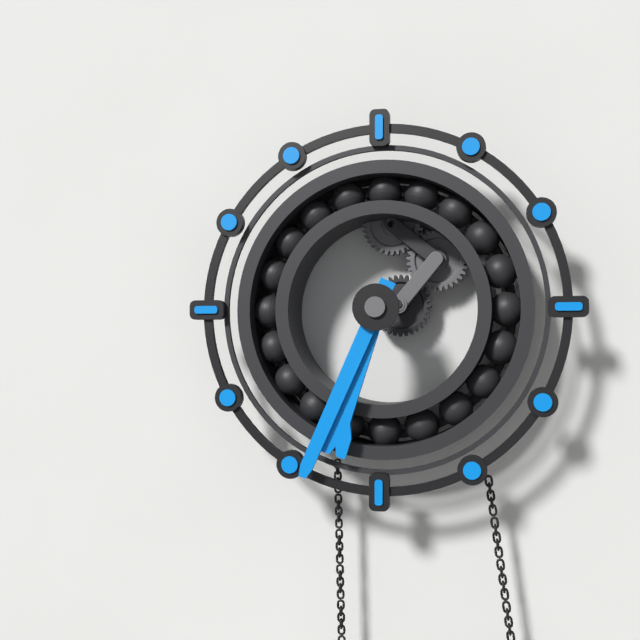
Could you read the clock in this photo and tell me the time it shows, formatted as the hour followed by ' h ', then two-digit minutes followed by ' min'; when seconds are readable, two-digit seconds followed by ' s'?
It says 6 h 34 min
